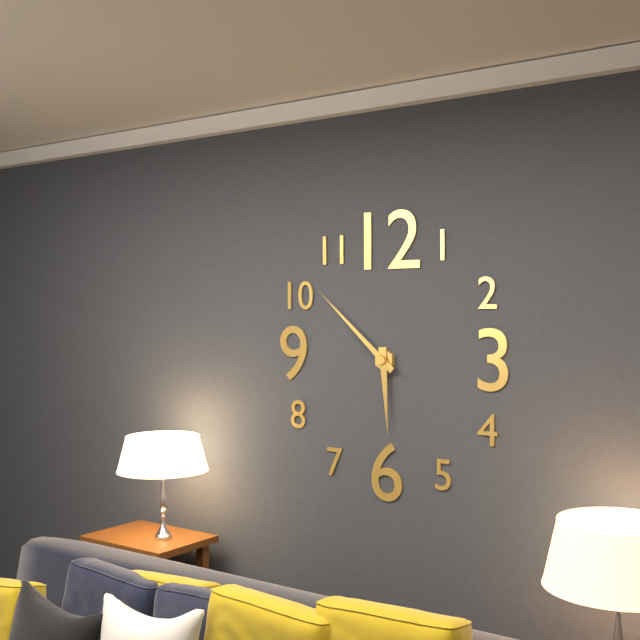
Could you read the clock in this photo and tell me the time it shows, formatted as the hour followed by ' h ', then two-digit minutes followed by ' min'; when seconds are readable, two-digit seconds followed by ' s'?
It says 5 h 52 min
